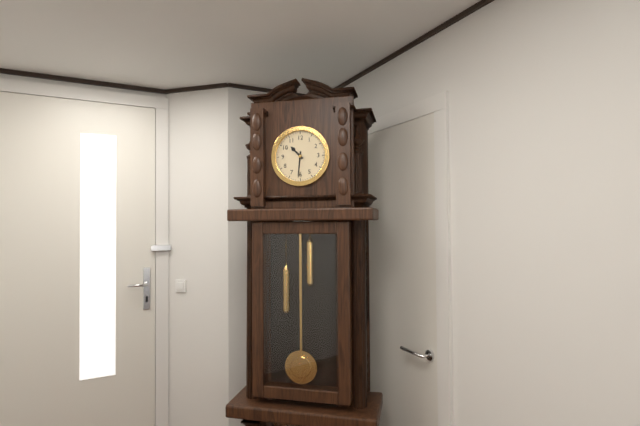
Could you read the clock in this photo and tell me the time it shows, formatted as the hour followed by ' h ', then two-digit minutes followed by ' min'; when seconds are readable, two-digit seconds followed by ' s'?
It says 10 h 31 min
